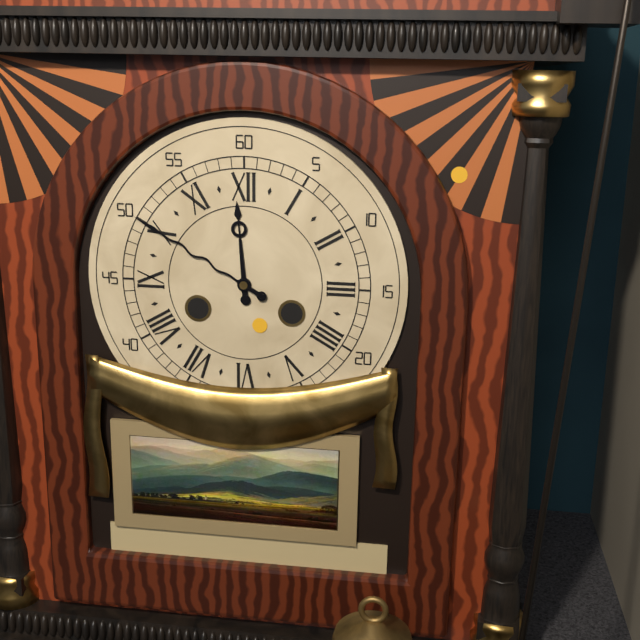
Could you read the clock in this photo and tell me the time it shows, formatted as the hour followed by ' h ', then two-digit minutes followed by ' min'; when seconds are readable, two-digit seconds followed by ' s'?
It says 11 h 50 min
